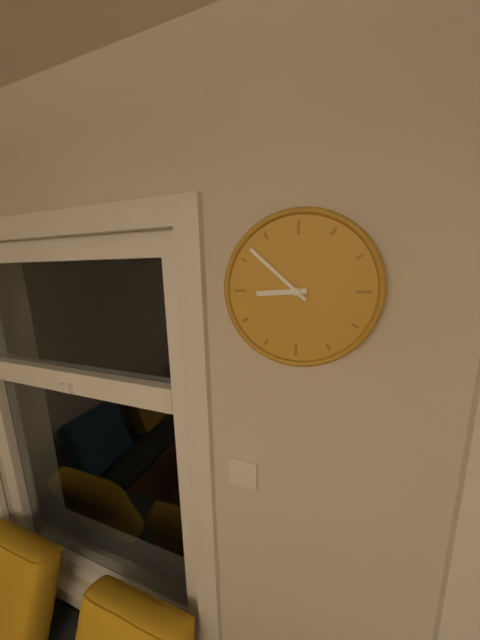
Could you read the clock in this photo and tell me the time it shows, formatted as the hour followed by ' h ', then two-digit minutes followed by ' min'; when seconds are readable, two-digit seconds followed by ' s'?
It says 8 h 52 min
